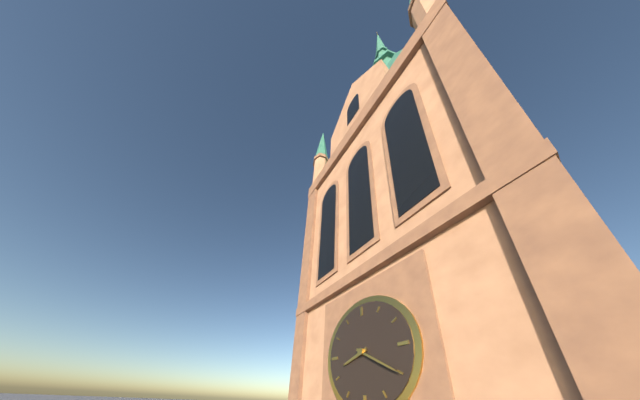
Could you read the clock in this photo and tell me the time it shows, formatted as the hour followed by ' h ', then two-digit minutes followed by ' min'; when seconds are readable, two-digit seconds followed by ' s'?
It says 8 h 20 min
